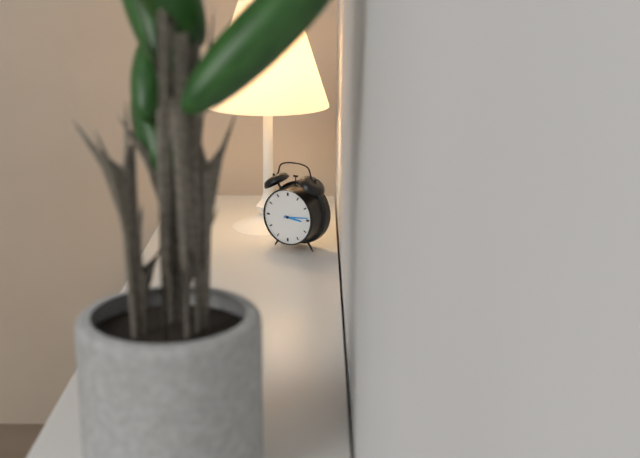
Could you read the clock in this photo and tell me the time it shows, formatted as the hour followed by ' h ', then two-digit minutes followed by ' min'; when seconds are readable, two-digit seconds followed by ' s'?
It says 3 h 14 min
